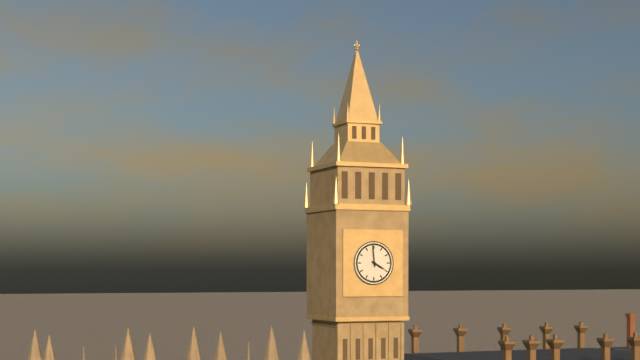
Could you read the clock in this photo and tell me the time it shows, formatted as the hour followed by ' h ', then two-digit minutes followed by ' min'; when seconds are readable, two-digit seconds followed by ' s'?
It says 3 h 59 min
